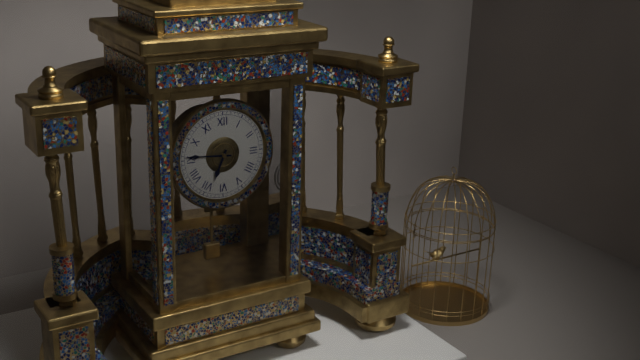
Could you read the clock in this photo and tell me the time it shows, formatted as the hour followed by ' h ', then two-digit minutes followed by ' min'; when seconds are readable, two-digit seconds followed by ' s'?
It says 6 h 46 min
